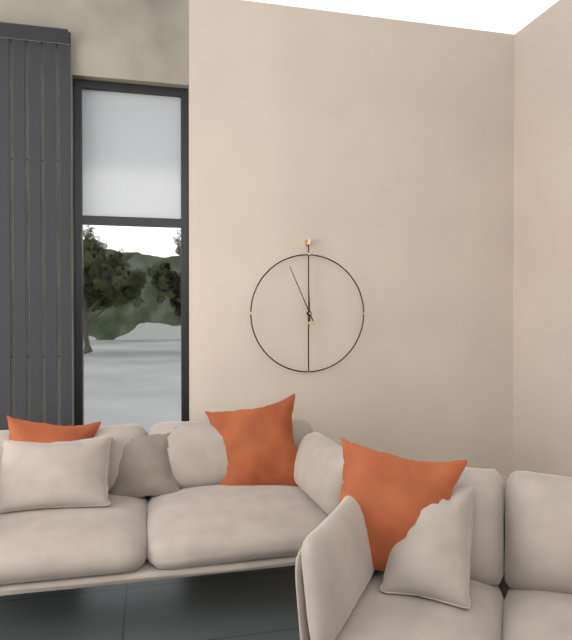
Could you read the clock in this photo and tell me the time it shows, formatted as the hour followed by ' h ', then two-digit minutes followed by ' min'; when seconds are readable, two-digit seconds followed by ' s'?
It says 11 h 56 min
